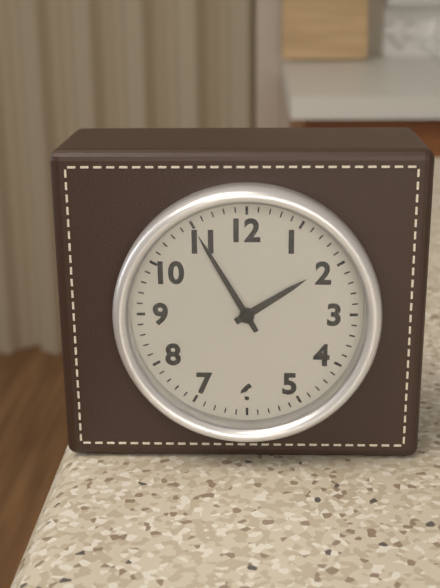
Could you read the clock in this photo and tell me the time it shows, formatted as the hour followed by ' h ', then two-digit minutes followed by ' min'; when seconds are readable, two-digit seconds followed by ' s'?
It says 1 h 55 min
